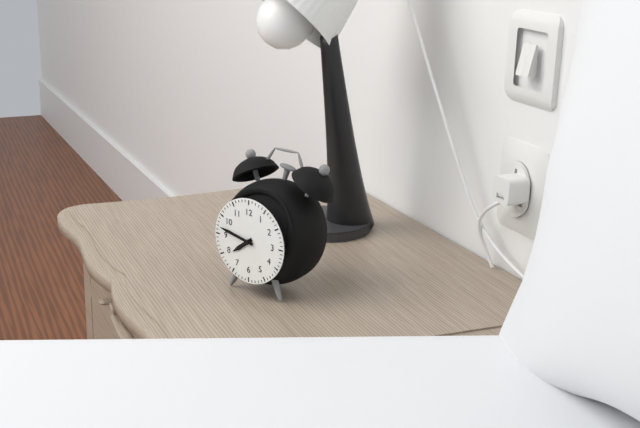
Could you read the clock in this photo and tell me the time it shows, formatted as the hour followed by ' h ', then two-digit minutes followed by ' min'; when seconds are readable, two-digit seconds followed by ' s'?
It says 7 h 47 min
